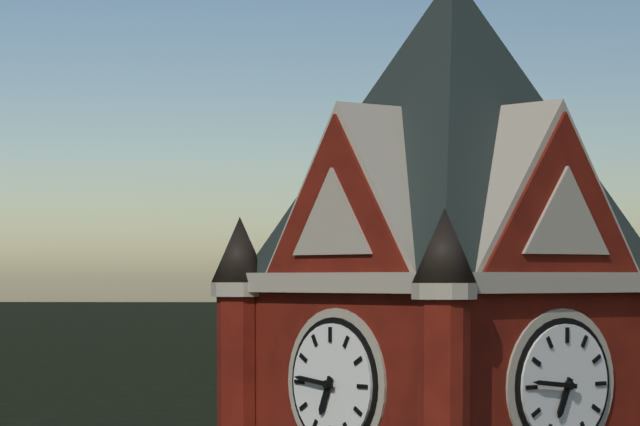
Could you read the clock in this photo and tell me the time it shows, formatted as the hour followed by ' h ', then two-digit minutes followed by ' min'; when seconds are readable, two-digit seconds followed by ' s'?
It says 6 h 46 min
